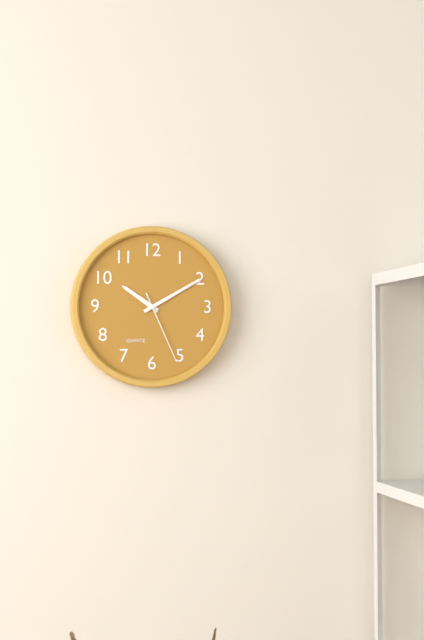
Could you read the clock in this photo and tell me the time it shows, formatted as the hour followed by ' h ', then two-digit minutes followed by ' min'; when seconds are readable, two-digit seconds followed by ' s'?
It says 10 h 10 min 26 s
